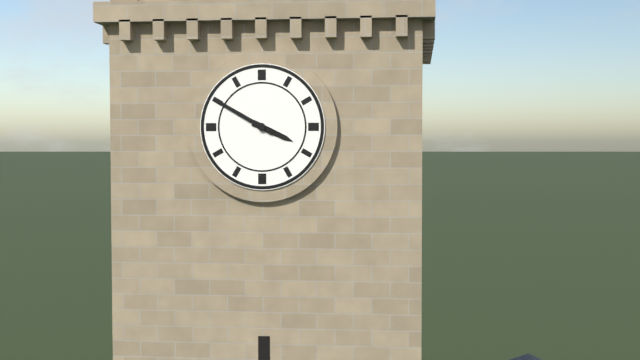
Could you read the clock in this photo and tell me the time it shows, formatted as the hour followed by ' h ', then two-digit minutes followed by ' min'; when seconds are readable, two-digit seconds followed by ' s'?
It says 3 h 50 min
